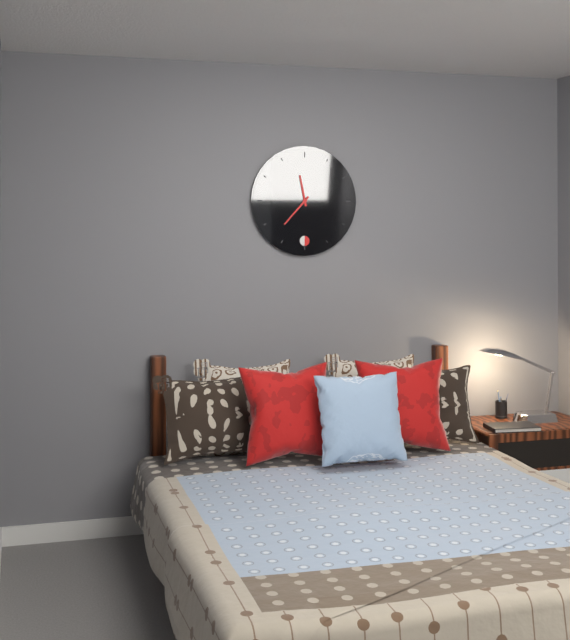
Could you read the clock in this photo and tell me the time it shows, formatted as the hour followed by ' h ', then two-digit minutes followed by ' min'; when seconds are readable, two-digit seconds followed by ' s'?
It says 11 h 37 min
